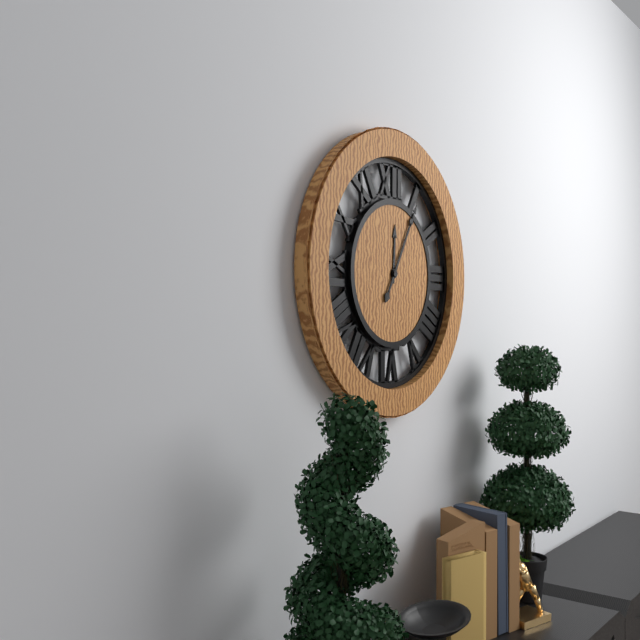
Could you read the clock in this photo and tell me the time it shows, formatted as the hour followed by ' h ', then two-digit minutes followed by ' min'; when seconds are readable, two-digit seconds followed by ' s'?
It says 12 h 05 min
